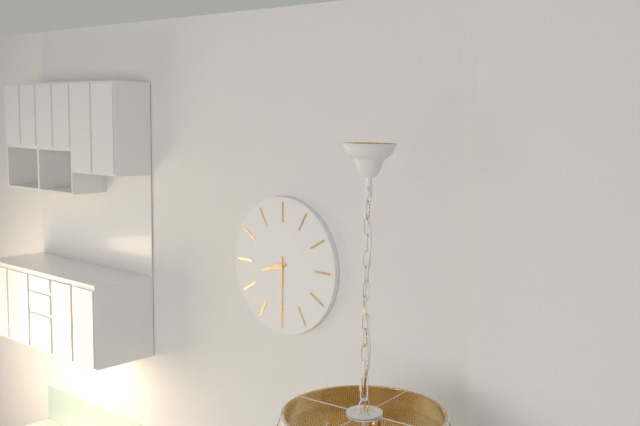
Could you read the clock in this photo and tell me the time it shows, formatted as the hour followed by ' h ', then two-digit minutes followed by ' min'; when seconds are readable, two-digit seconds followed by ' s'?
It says 8 h 30 min
